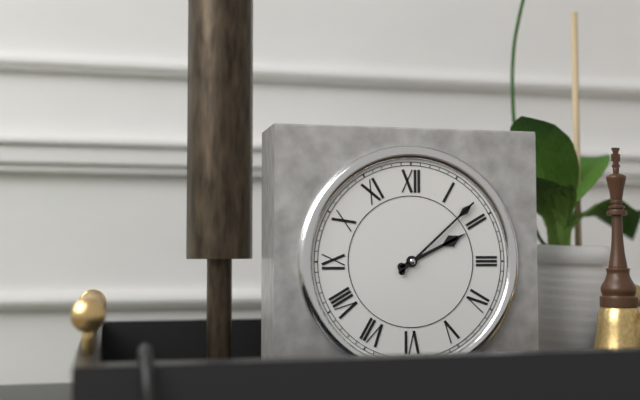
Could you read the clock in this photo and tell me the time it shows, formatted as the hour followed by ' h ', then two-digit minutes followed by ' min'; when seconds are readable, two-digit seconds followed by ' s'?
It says 2 h 08 min
